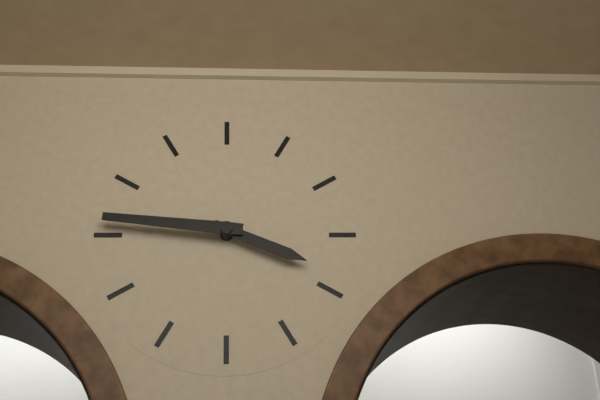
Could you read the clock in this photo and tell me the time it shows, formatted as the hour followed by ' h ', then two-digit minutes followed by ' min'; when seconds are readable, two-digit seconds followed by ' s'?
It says 3 h 46 min
